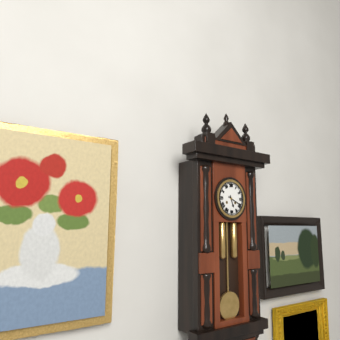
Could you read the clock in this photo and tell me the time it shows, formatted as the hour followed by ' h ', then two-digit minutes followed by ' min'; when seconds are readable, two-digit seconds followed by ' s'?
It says 5 h 19 min
